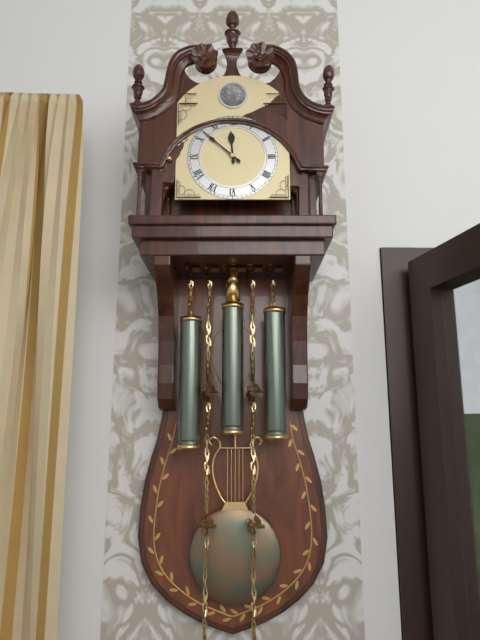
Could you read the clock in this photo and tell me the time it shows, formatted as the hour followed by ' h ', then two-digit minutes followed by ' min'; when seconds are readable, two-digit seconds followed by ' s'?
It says 11 h 52 min
